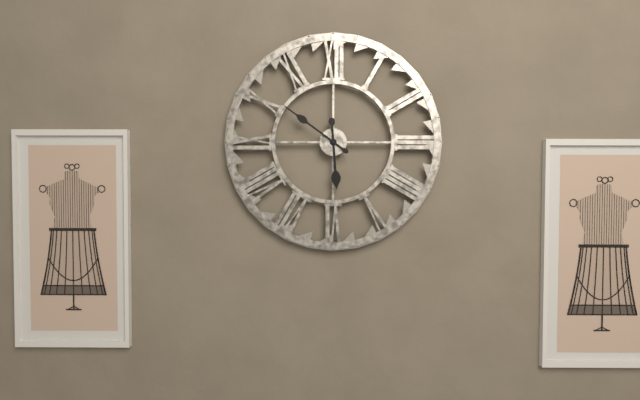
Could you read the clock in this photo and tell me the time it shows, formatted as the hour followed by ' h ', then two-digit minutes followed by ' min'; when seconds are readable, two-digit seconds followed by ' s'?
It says 5 h 51 min
